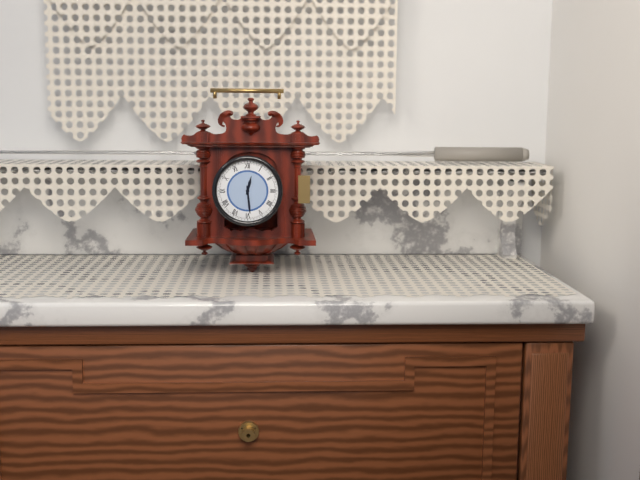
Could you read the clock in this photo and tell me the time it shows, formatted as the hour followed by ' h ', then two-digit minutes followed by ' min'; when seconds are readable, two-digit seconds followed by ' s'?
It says 12 h 29 min
